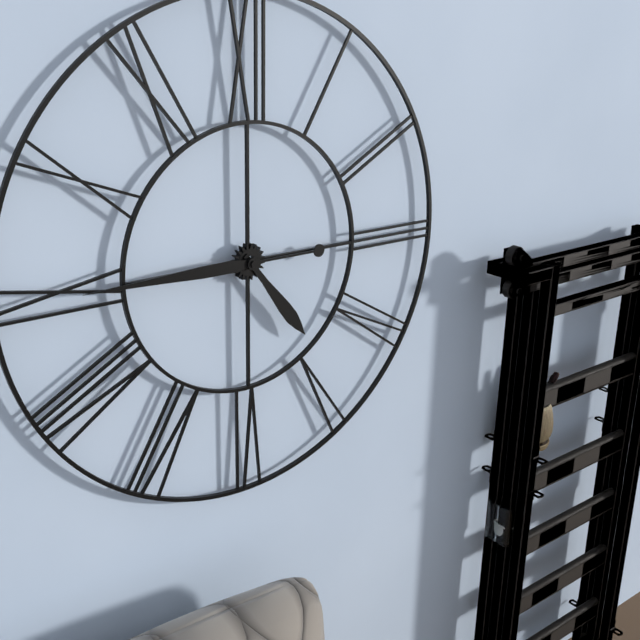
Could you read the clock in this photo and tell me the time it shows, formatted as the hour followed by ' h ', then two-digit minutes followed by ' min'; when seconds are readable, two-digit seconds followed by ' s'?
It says 4 h 45 min
